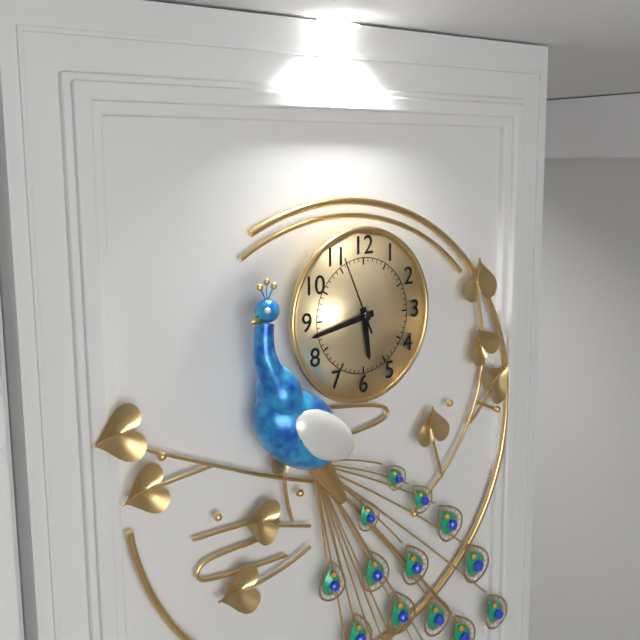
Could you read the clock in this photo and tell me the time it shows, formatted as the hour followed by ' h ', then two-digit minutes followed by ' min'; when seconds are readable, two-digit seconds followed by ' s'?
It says 5 h 43 min 56 s
